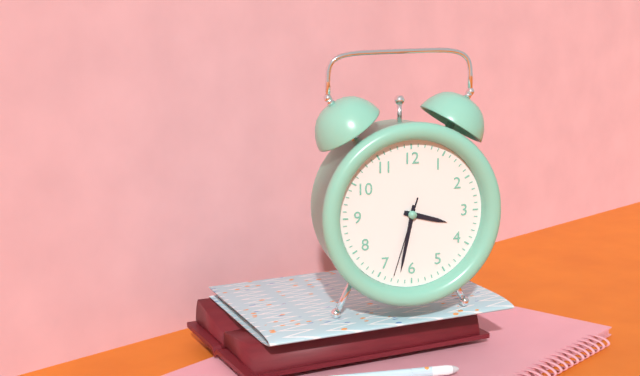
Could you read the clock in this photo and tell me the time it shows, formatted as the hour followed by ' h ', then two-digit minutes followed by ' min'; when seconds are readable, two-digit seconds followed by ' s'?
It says 3 h 32 min 33 s
